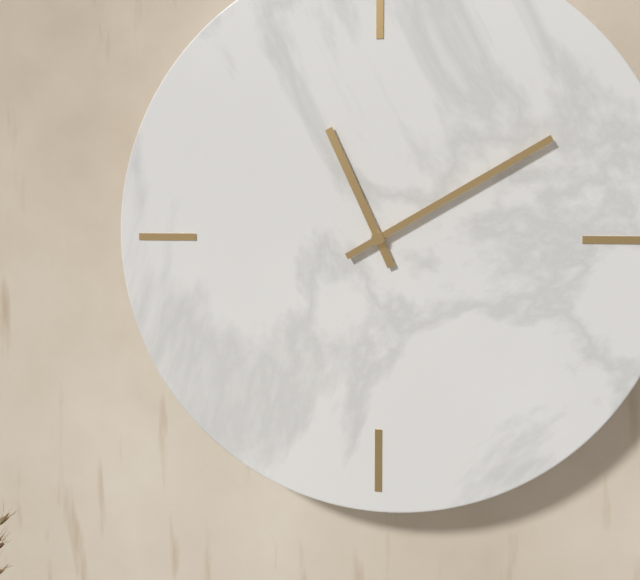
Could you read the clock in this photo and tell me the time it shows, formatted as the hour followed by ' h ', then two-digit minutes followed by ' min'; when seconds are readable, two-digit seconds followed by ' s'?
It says 11 h 10 min
